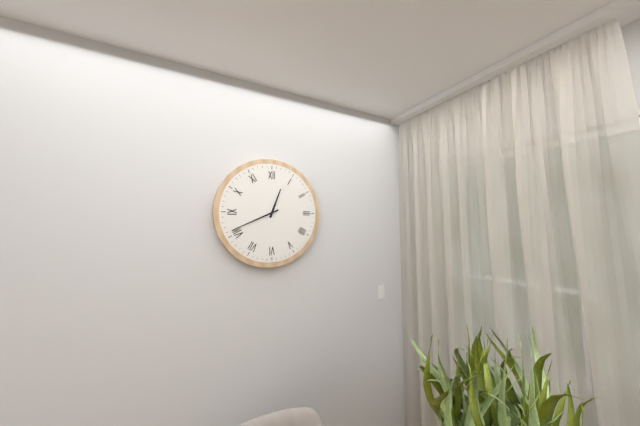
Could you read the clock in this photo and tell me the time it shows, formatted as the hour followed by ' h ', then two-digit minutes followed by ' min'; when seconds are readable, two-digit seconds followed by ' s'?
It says 12 h 41 min
